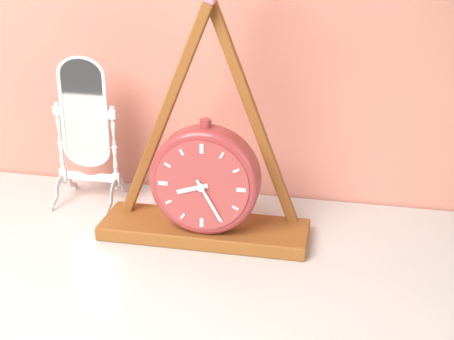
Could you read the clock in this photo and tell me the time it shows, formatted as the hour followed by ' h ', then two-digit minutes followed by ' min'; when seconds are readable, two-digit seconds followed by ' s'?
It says 8 h 25 min
